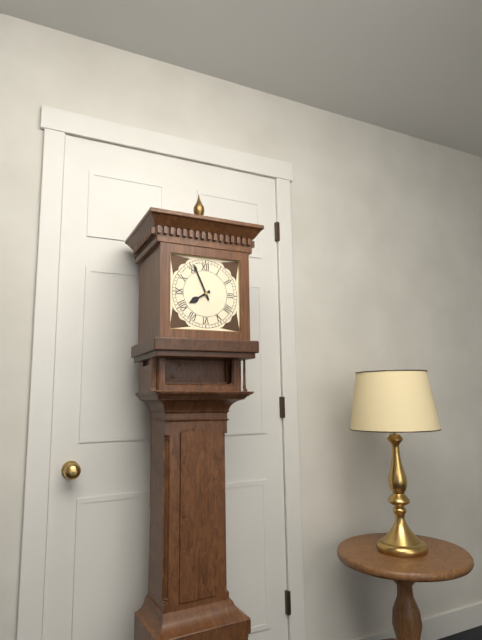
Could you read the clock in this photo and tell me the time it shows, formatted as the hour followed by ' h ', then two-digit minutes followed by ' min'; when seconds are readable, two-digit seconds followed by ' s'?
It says 7 h 56 min
